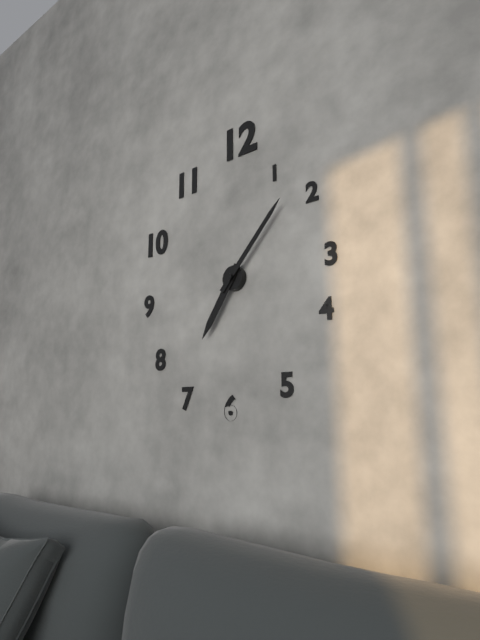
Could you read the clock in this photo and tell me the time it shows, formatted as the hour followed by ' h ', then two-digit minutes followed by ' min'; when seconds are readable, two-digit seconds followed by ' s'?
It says 7 h 07 min
